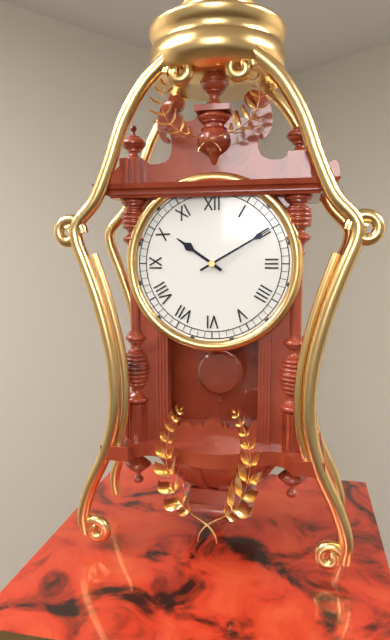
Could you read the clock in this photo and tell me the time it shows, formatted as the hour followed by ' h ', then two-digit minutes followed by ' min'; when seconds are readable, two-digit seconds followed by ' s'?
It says 10 h 10 min
